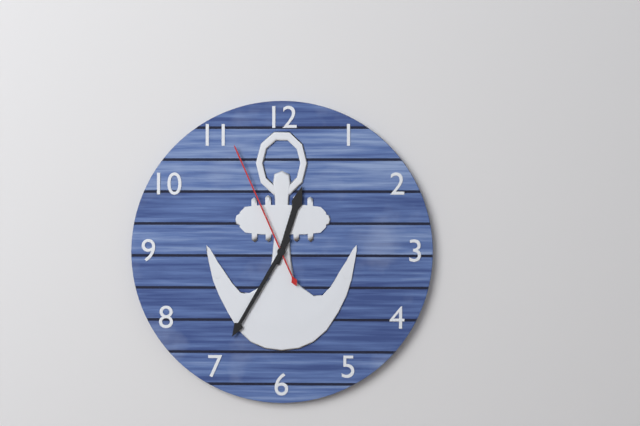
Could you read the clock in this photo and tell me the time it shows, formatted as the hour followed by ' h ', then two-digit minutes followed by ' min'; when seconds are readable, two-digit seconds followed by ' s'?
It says 12 h 35 min 56 s
